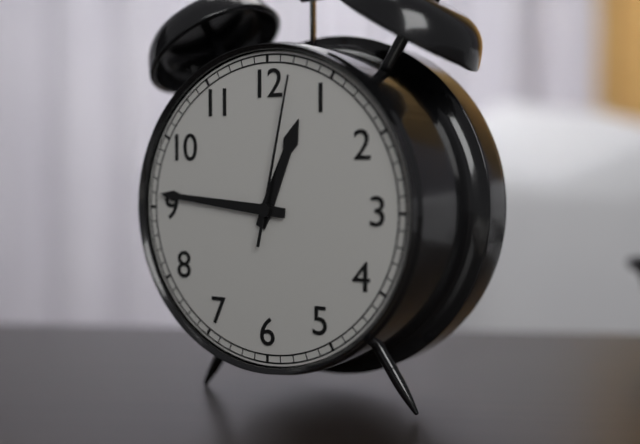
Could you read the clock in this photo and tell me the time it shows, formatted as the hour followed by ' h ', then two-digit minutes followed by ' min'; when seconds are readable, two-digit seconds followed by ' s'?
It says 12 h 46 min 02 s
